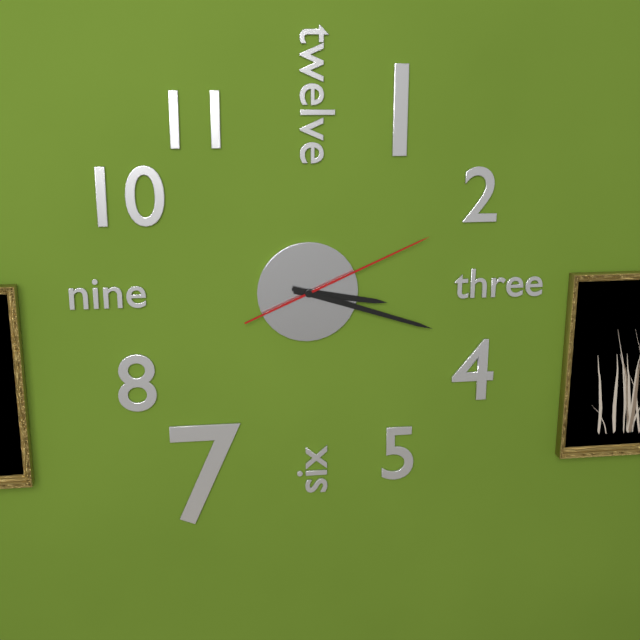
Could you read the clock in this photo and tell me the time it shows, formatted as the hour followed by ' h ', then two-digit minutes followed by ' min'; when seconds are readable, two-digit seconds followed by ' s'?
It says 3 h 18 min 11 s
